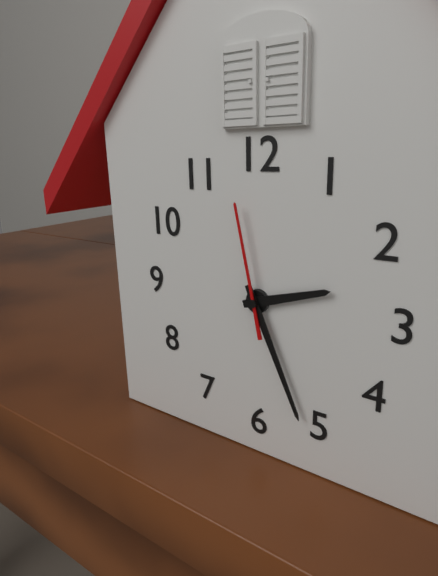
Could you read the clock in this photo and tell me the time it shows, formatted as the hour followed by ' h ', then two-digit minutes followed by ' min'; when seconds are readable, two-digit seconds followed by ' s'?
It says 2 h 26 min 58 s
